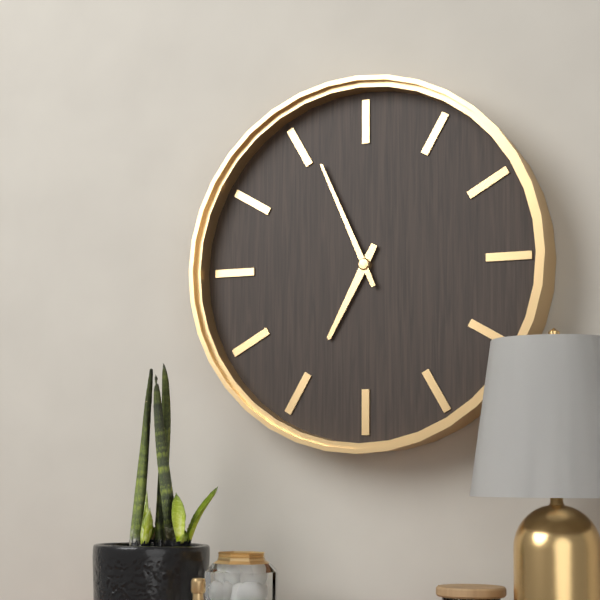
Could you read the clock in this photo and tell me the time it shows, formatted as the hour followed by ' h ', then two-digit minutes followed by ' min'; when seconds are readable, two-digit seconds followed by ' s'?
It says 6 h 56 min
